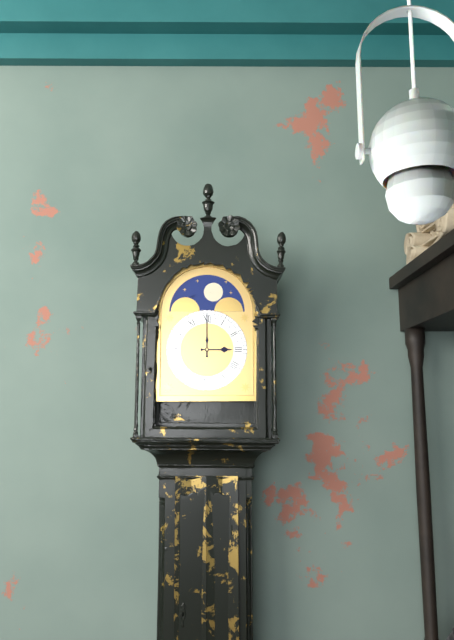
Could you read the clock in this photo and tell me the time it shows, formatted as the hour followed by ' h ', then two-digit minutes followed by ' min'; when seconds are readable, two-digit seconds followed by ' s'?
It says 3 h 00 min
